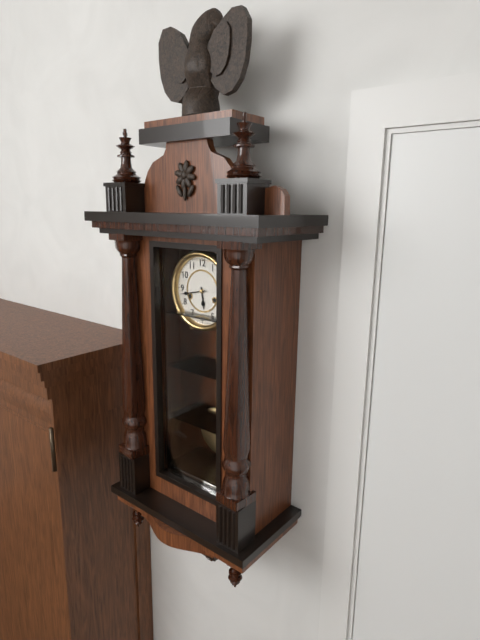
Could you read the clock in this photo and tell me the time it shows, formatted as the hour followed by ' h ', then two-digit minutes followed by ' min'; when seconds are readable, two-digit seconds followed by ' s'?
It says 5 h 43 min
